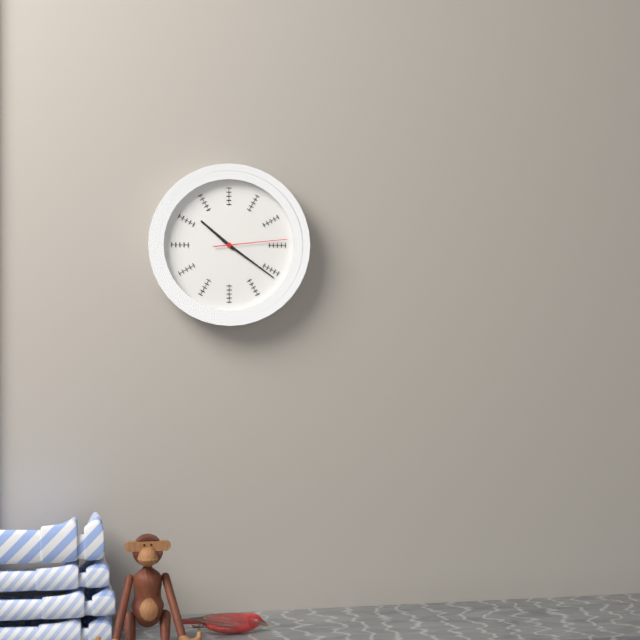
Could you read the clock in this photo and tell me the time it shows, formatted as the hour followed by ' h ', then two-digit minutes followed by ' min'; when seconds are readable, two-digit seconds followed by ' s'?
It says 10 h 21 min 14 s
